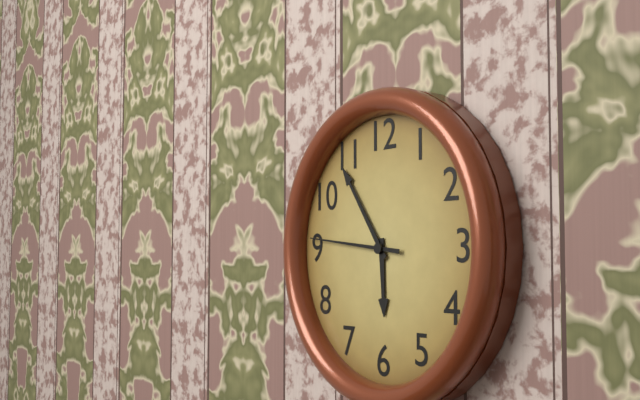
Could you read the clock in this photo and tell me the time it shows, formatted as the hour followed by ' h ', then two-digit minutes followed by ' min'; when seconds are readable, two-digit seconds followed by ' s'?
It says 5 h 54 min 46 s
